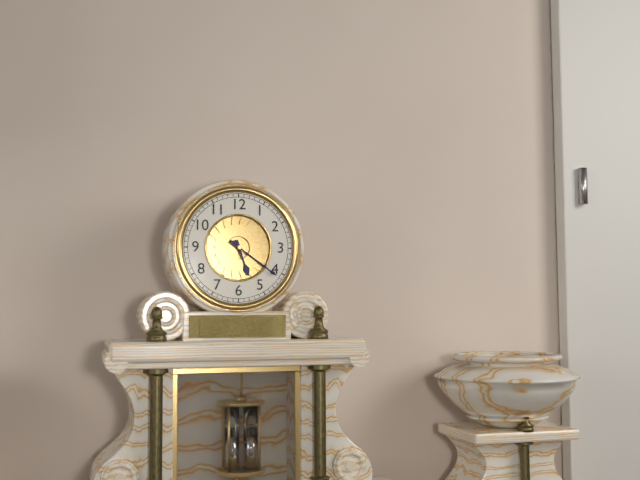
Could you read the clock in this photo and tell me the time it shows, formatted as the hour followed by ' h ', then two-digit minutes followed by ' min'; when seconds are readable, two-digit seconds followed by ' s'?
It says 5 h 21 min
